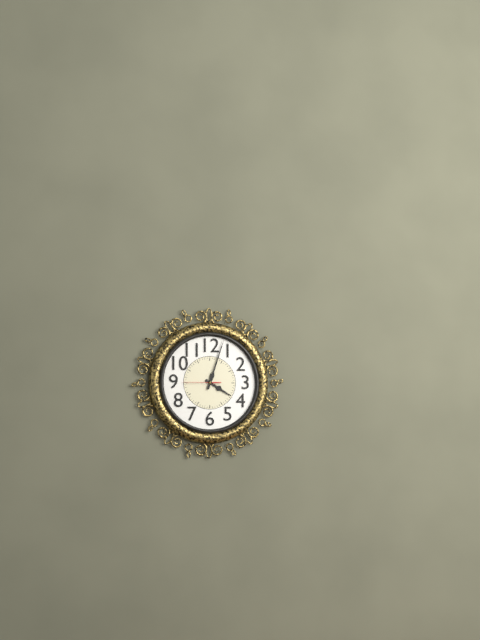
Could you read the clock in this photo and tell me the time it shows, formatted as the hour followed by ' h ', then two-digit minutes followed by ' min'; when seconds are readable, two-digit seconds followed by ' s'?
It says 4 h 03 min
